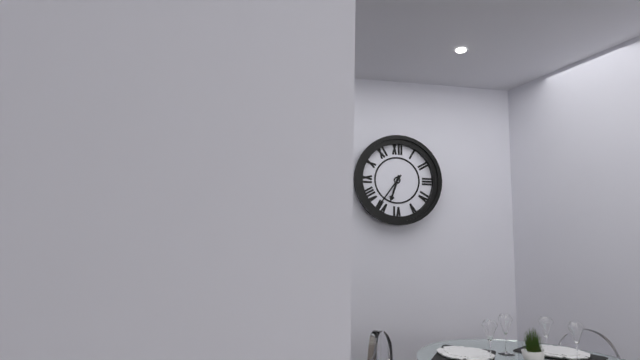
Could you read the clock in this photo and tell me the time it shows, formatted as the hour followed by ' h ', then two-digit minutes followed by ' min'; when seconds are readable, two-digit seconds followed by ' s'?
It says 6 h 36 min
